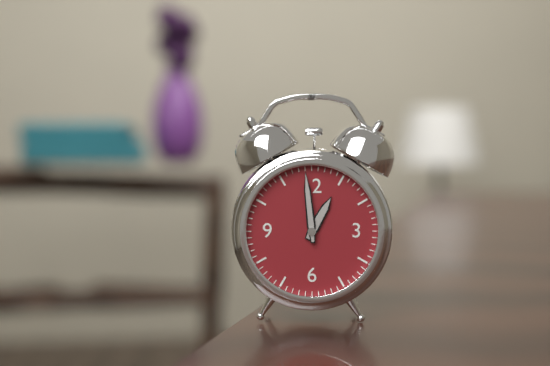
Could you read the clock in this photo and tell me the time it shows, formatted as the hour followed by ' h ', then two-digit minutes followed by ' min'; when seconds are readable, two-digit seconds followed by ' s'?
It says 12 h 59 min
